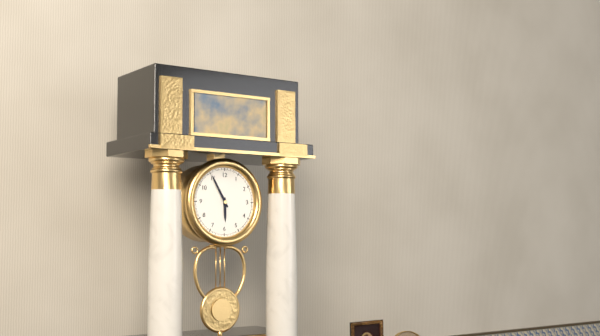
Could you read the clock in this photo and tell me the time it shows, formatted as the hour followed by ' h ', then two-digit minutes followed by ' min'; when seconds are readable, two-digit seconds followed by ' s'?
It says 5 h 55 min
